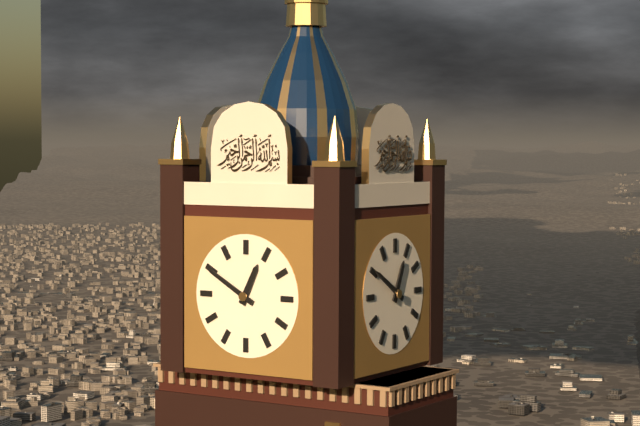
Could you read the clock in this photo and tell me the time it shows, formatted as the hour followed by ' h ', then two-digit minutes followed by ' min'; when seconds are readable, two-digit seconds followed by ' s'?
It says 12 h 50 min
